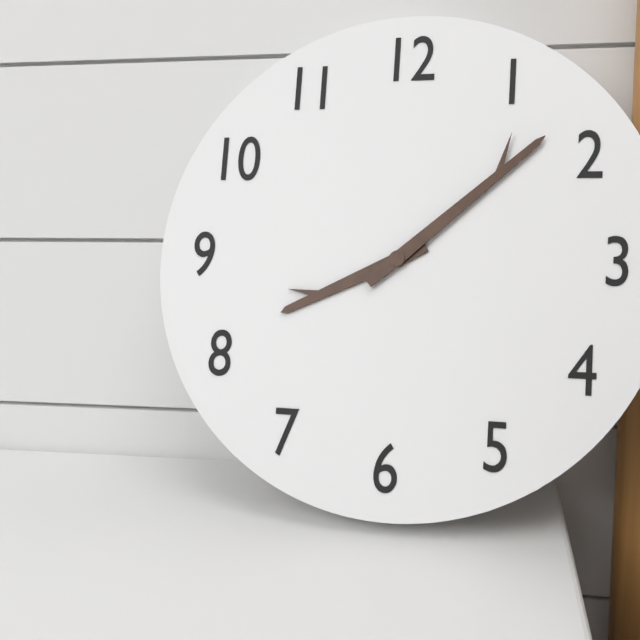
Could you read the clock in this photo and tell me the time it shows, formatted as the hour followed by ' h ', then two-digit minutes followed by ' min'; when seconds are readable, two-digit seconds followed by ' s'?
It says 8 h 08 min
